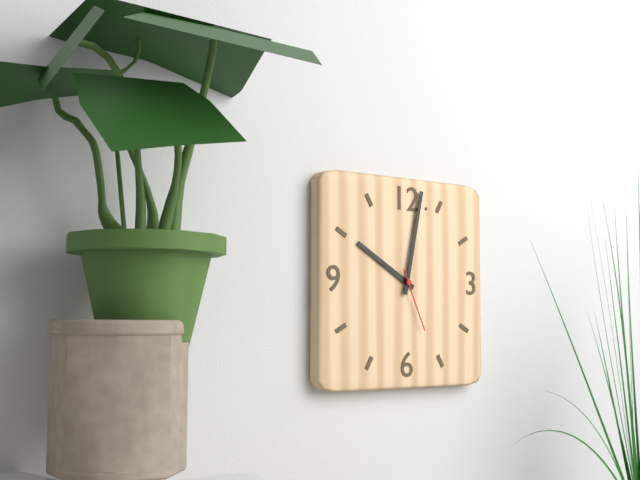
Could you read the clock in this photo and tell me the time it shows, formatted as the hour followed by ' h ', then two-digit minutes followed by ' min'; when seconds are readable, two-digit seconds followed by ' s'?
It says 10 h 02 min 26 s
